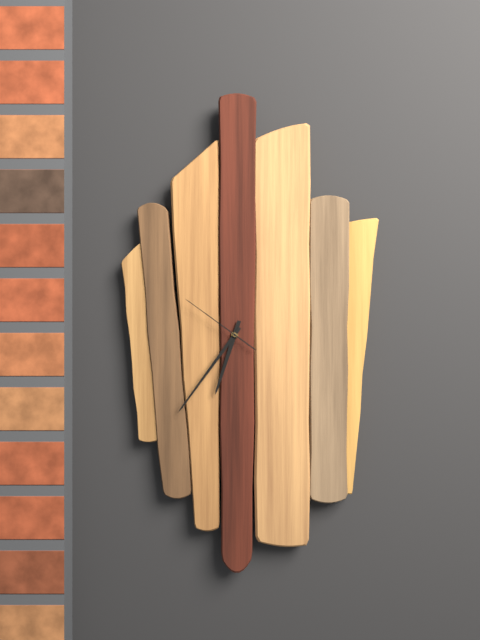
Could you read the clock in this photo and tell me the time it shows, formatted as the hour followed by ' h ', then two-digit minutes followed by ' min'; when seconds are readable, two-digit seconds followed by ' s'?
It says 6 h 36 min 51 s
